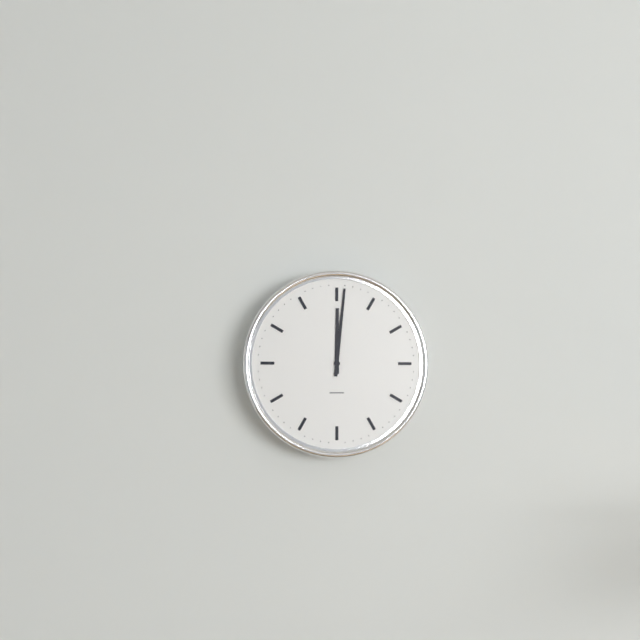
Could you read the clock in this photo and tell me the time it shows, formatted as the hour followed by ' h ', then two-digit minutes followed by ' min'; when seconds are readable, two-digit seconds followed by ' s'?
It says 12 h 01 min
